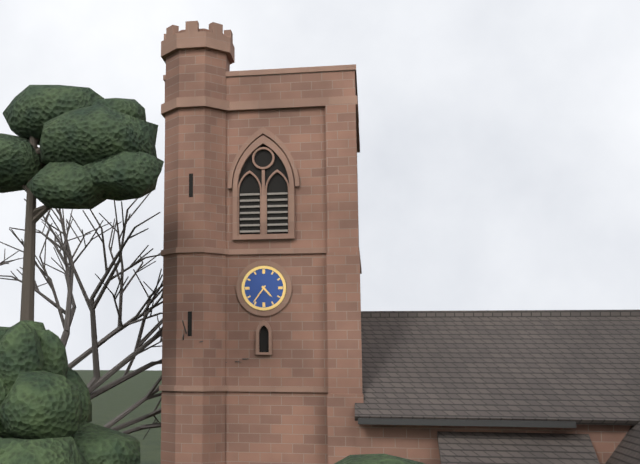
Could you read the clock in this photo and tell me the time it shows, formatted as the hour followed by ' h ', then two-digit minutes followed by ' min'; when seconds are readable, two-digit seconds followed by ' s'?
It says 4 h 36 min
